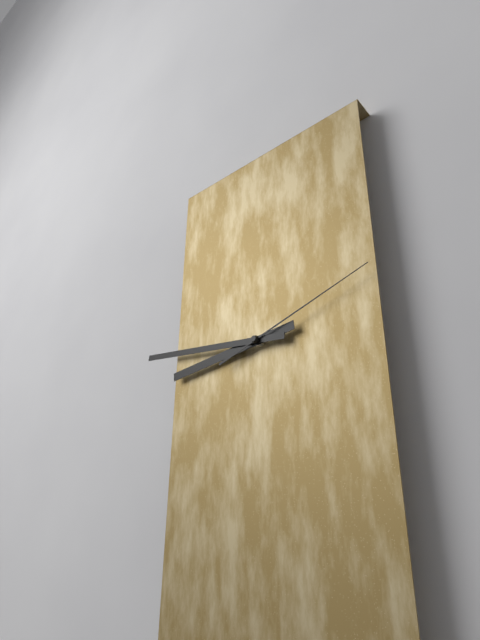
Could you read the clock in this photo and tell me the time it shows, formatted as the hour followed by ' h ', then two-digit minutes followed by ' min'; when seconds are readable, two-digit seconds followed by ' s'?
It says 8 h 46 min 12 s
